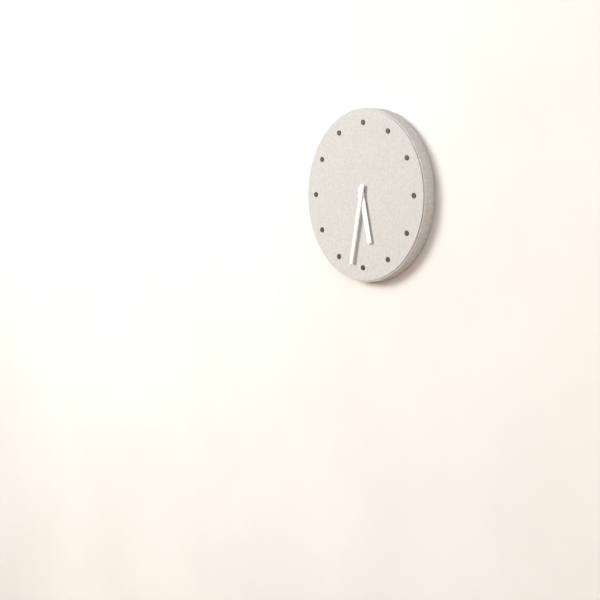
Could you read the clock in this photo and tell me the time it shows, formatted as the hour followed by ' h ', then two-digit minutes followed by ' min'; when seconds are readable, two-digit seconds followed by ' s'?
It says 5 h 32 min
